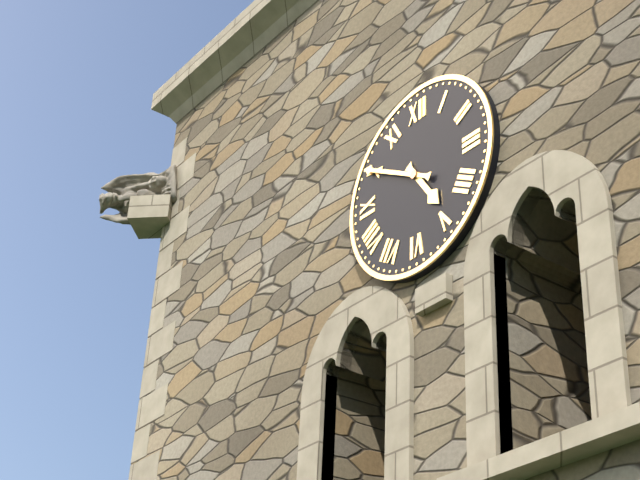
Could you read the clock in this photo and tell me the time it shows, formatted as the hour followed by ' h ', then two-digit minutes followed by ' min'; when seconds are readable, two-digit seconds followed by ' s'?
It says 4 h 50 min
